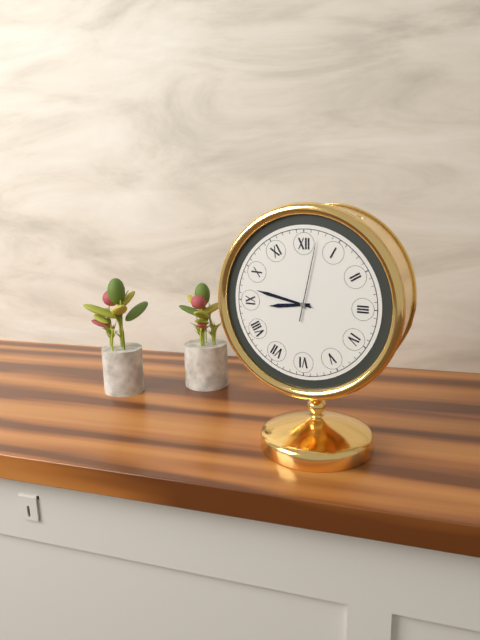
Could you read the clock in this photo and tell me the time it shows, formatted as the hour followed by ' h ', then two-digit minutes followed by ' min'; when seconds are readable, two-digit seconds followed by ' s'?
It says 8 h 47 min 02 s
